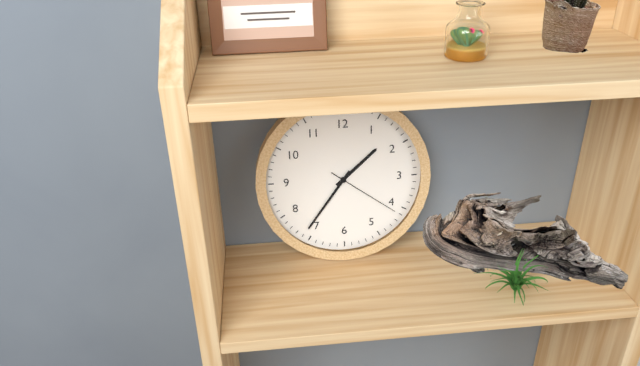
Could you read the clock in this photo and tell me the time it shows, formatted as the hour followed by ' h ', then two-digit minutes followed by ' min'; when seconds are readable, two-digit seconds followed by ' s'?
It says 1 h 36 min 21 s
